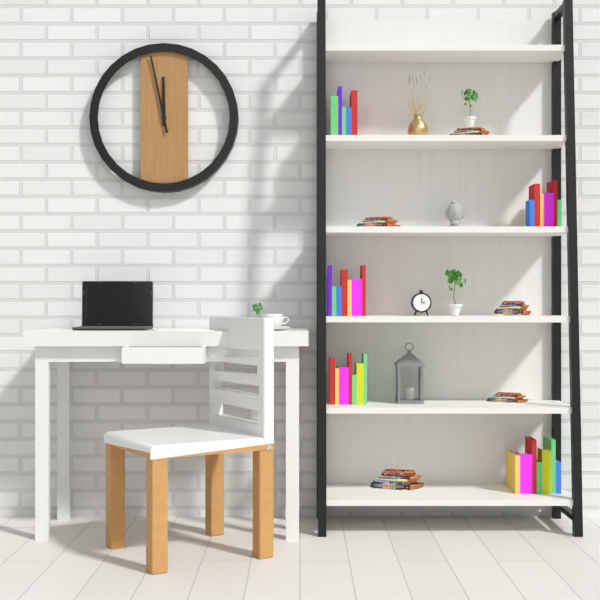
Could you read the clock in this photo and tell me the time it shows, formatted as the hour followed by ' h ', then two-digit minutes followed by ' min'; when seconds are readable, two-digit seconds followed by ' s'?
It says 11 h 58 min
